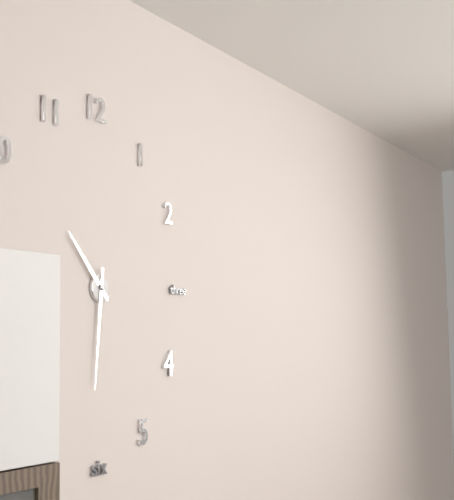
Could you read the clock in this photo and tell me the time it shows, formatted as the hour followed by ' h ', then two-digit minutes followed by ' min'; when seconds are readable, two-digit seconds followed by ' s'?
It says 10 h 31 min
